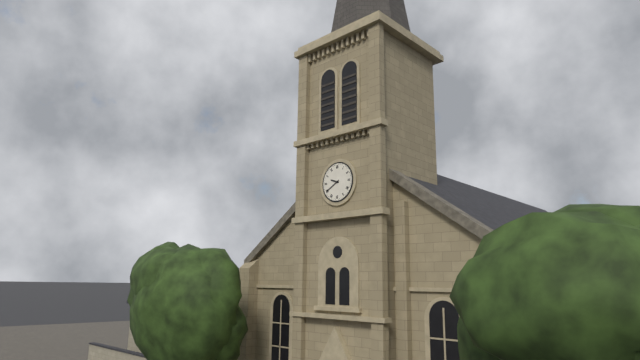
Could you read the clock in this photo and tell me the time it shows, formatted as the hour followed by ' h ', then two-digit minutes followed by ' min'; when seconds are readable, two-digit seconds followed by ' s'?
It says 9 h 40 min
